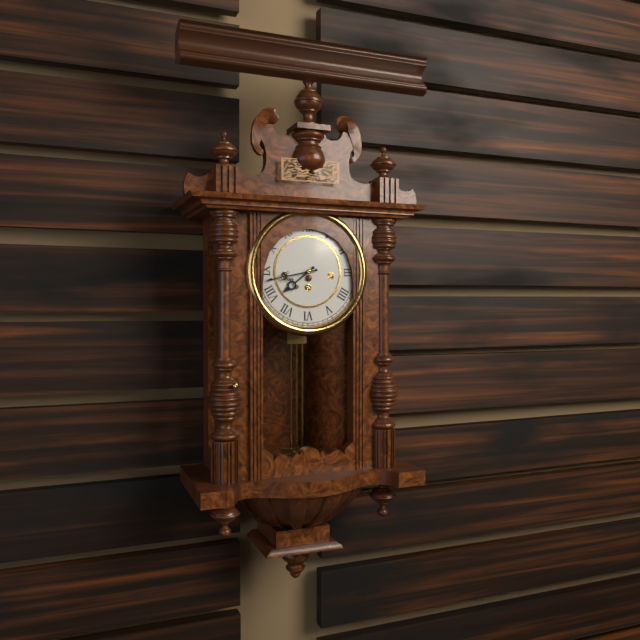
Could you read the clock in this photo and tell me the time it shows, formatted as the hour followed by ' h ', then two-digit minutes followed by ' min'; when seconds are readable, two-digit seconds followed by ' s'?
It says 7 h 43 min
